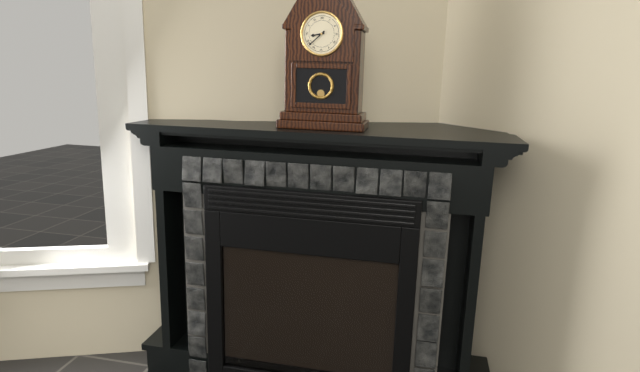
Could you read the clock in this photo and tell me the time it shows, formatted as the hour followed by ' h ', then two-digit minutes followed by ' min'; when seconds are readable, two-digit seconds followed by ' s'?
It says 8 h 38 min
